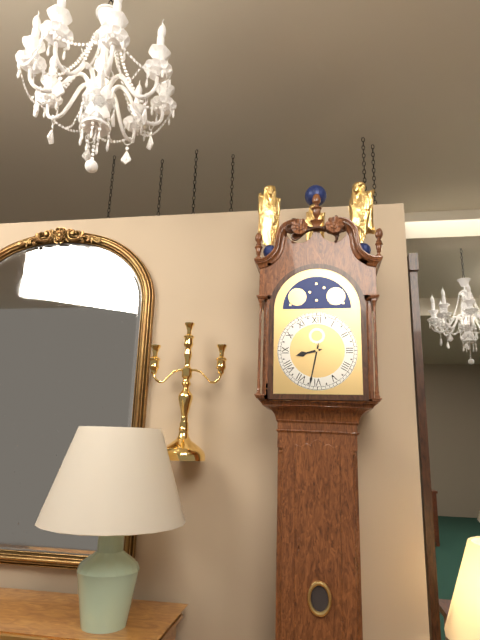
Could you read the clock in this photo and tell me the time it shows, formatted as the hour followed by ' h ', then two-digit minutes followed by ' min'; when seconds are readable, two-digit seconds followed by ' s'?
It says 8 h 32 min
